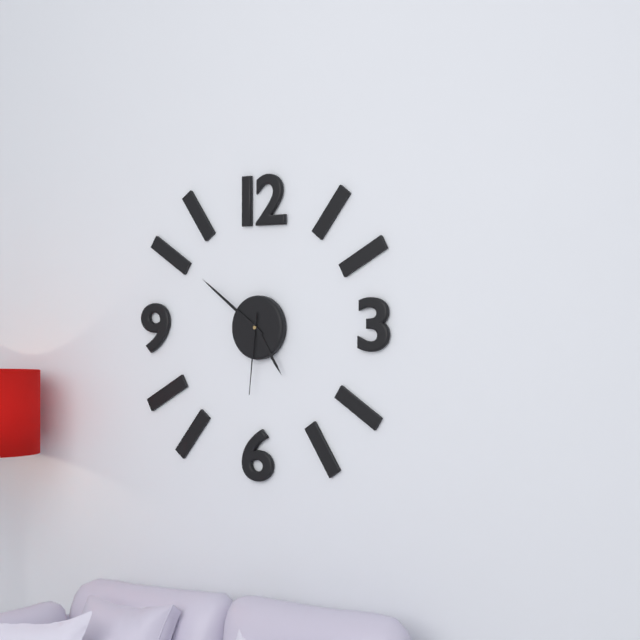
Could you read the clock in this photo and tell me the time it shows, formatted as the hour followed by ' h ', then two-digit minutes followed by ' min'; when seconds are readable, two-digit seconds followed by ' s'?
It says 4 h 51 min 31 s
